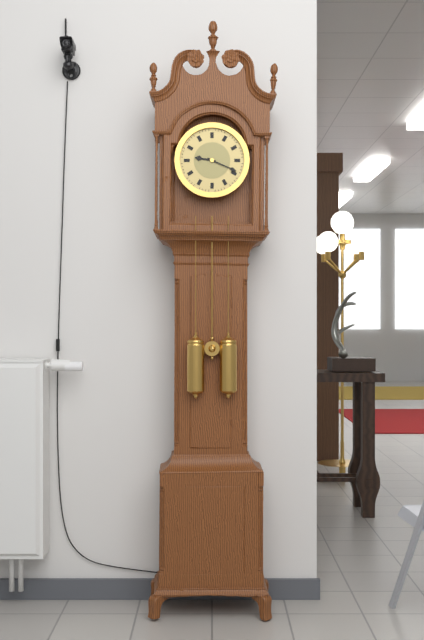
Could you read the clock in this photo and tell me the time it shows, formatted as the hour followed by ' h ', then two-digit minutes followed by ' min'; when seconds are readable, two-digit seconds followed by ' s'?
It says 9 h 19 min
